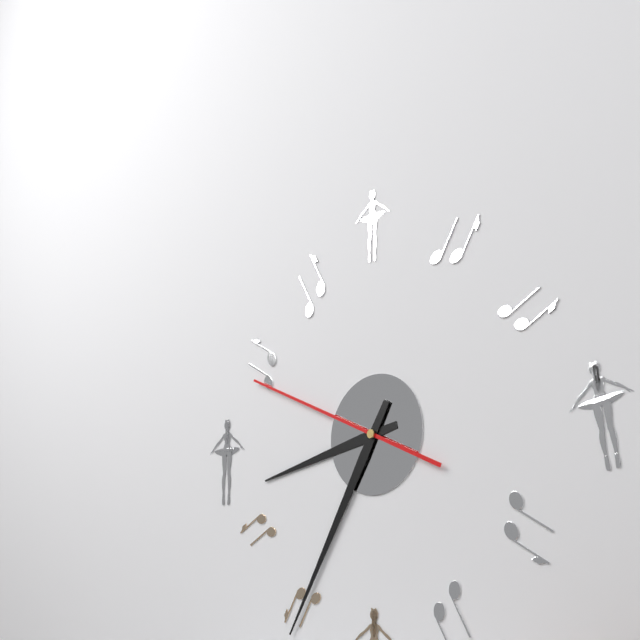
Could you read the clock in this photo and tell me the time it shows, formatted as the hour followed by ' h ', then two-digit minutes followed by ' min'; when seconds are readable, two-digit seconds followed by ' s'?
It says 8 h 35 min 49 s
